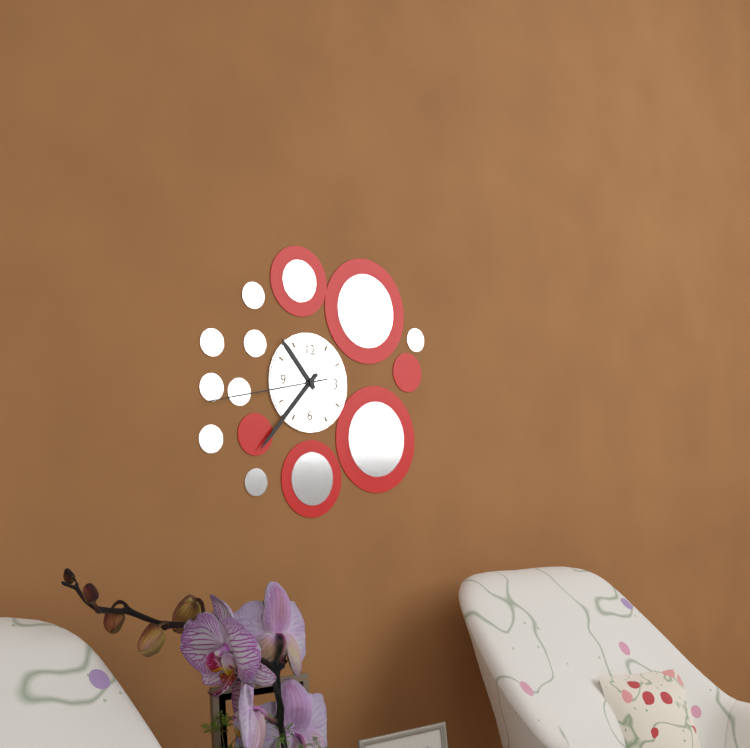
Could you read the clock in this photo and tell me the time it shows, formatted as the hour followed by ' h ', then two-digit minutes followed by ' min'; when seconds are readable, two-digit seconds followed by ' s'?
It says 10 h 37 min 43 s
